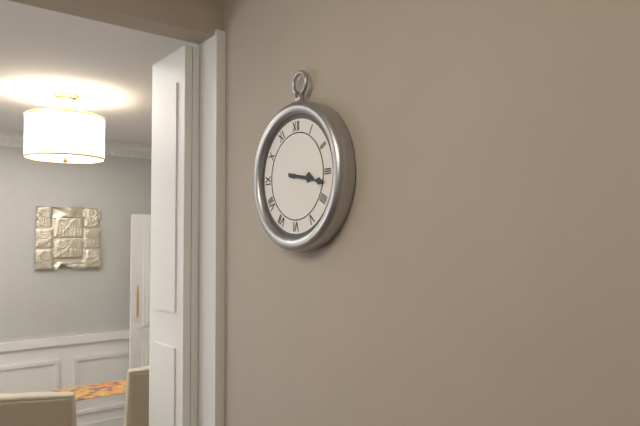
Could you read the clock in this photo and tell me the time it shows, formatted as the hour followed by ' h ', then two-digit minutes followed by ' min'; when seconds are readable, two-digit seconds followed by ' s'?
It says 3 h 17 min
